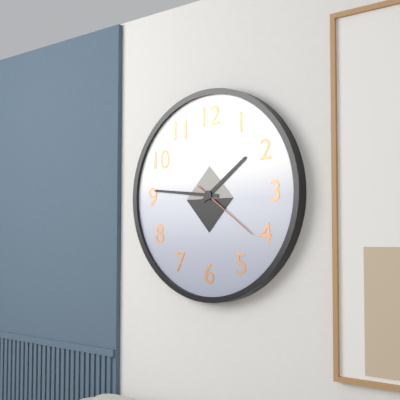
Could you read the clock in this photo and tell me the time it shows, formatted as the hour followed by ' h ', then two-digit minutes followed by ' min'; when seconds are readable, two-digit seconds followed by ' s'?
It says 1 h 46 min 21 s
